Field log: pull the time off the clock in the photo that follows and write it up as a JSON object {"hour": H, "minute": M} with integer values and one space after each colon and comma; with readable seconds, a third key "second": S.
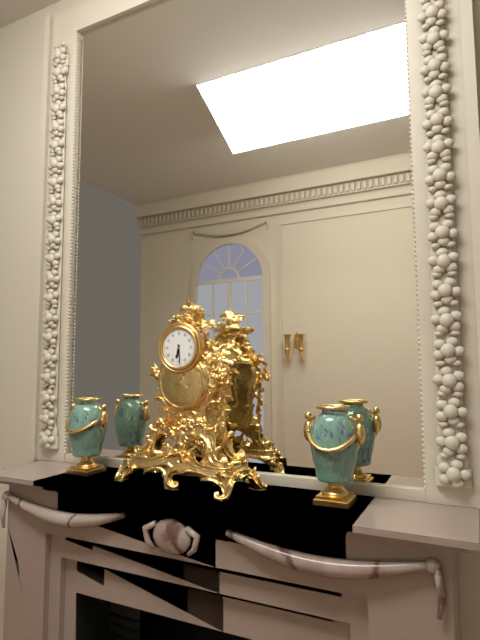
{"hour": 6, "minute": 29}
